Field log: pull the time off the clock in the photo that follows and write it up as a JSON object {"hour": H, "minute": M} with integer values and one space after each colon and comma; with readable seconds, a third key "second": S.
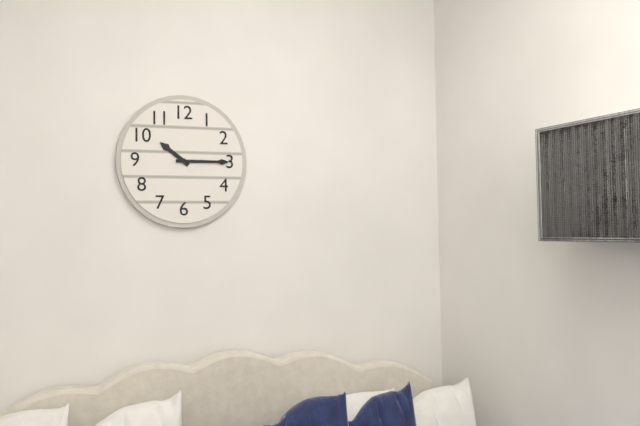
{"hour": 10, "minute": 15}
